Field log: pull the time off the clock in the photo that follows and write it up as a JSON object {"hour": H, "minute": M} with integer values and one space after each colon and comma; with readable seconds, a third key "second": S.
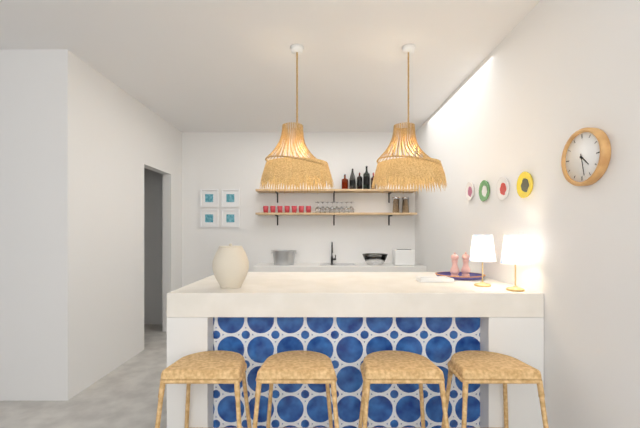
{"hour": 4, "minute": 28}
